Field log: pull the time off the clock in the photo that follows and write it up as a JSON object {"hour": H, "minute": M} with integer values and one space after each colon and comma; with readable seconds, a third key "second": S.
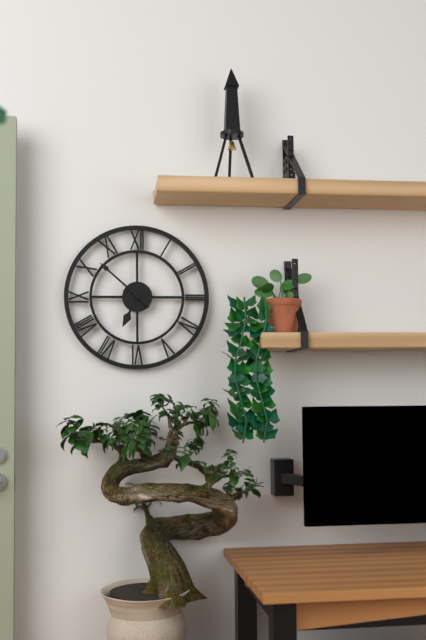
{"hour": 6, "minute": 52}
